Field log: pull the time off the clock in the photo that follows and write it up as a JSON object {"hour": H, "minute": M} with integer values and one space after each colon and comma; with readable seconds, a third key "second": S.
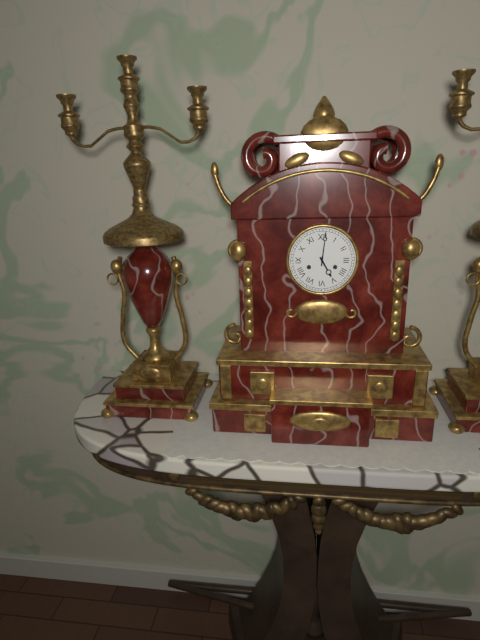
{"hour": 5, "minute": 1}
